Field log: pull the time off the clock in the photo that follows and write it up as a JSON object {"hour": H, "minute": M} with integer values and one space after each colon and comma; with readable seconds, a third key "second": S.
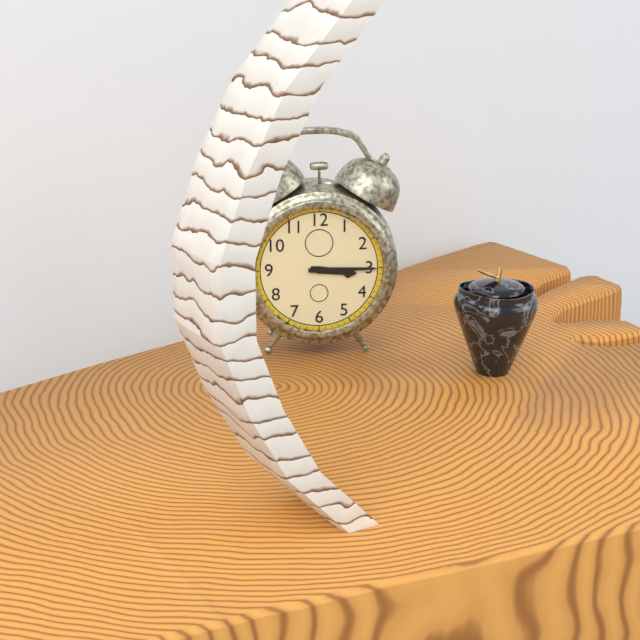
{"hour": 3, "minute": 15}
